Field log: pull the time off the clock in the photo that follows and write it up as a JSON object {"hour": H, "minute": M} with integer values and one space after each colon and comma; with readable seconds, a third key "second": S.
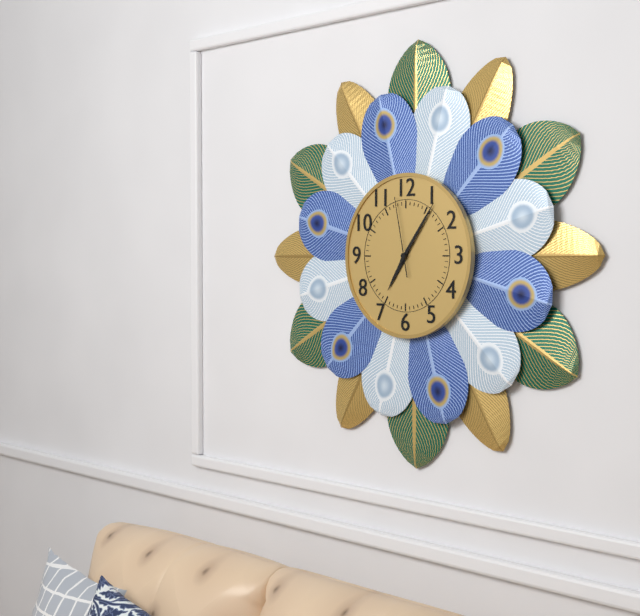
{"hour": 7, "minute": 6, "second": 58}
